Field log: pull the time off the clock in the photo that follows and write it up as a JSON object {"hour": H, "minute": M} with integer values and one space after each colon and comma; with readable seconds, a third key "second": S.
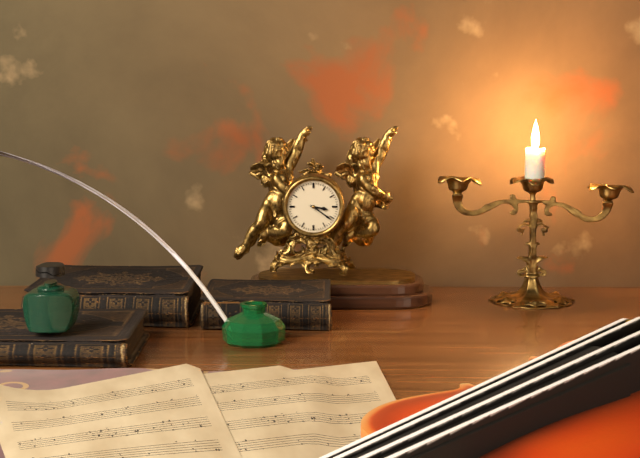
{"hour": 3, "minute": 21}
